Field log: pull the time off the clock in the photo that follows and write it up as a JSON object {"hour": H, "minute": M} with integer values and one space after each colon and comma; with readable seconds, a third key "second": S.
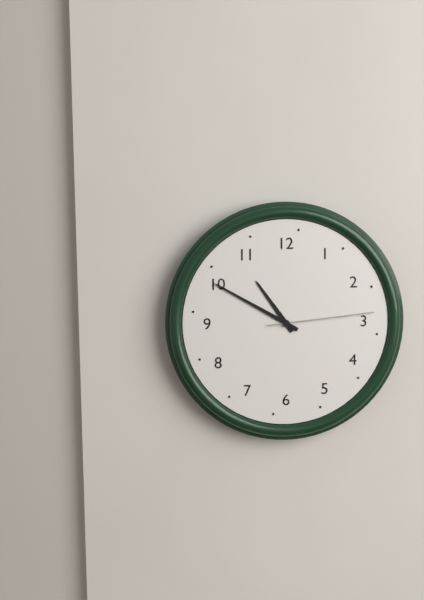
{"hour": 10, "minute": 50, "second": 14}
